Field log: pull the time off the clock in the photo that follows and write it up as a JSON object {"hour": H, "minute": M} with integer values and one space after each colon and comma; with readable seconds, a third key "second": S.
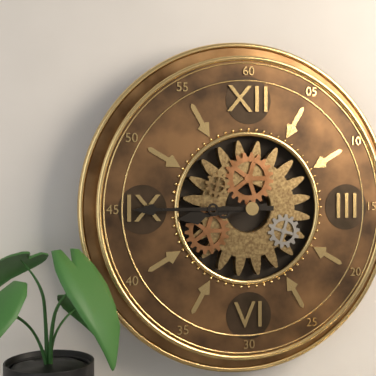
{"hour": 8, "minute": 45}
